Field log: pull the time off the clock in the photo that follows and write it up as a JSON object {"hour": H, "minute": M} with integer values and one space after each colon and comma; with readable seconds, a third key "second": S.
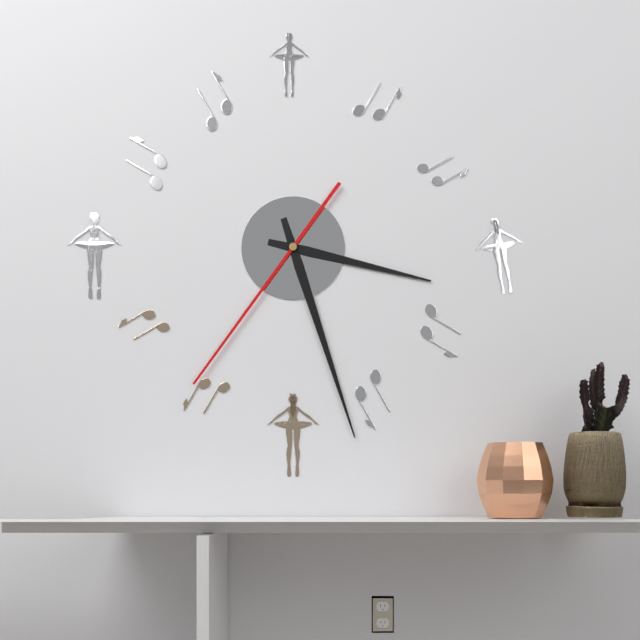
{"hour": 3, "minute": 27, "second": 36}
